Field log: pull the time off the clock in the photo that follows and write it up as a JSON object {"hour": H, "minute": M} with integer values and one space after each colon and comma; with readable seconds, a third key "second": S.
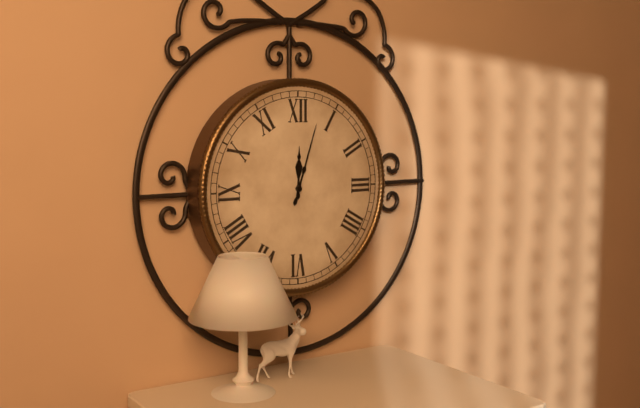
{"hour": 12, "minute": 3}
